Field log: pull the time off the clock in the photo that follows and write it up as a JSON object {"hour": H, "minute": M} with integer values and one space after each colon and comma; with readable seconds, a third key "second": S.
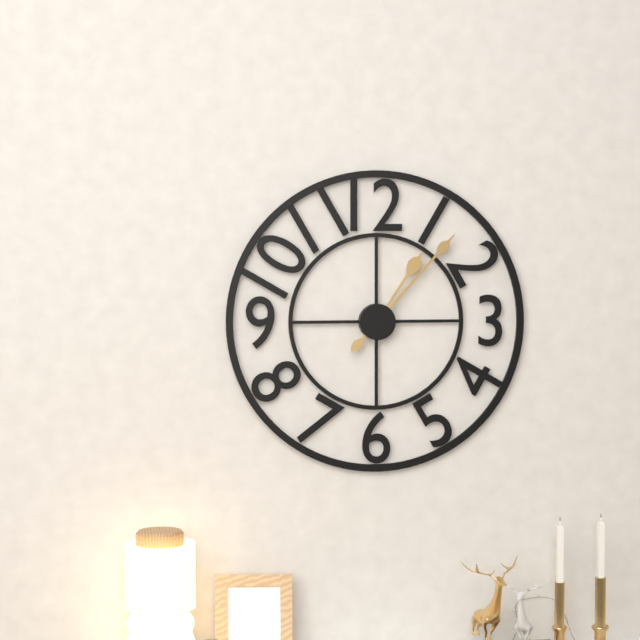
{"hour": 1, "minute": 7}
